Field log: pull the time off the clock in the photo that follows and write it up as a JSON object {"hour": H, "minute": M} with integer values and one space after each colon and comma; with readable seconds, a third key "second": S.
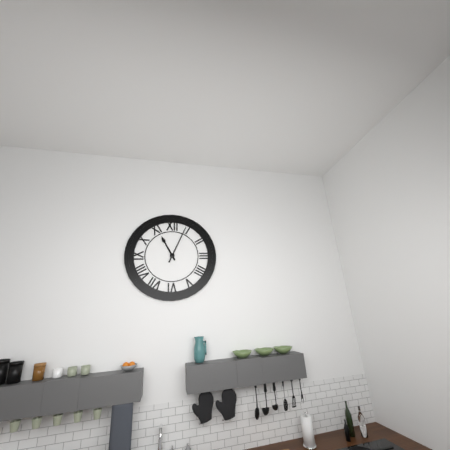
{"hour": 11, "minute": 4}
